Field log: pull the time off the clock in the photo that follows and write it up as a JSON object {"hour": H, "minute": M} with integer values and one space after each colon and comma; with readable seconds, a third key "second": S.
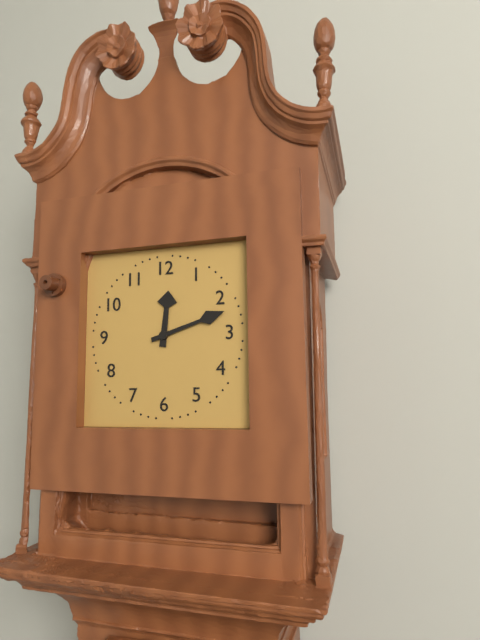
{"hour": 12, "minute": 12}
